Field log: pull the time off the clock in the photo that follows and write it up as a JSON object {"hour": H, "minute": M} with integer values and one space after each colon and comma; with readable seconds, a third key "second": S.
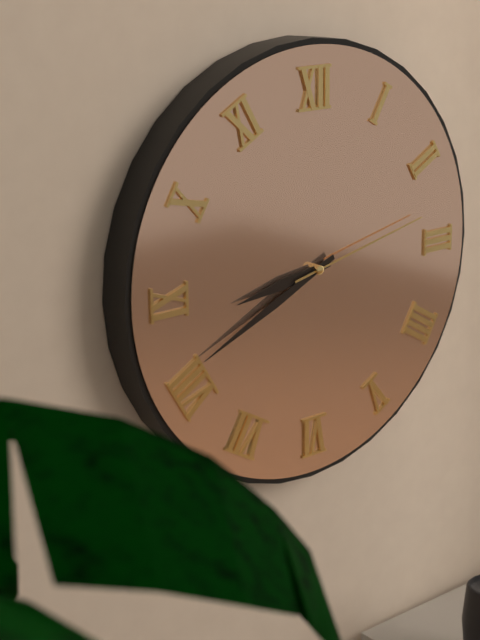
{"hour": 8, "minute": 41, "second": 13}
